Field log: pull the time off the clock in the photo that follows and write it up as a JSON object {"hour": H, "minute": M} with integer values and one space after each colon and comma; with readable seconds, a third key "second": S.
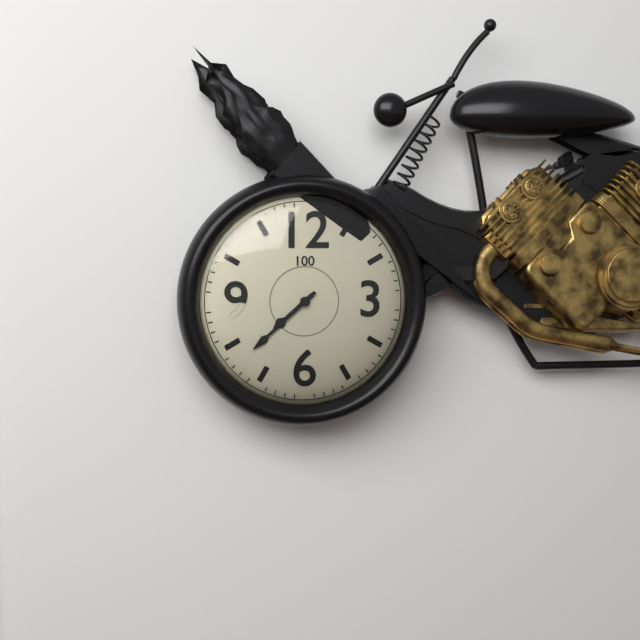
{"hour": 7, "minute": 38}
